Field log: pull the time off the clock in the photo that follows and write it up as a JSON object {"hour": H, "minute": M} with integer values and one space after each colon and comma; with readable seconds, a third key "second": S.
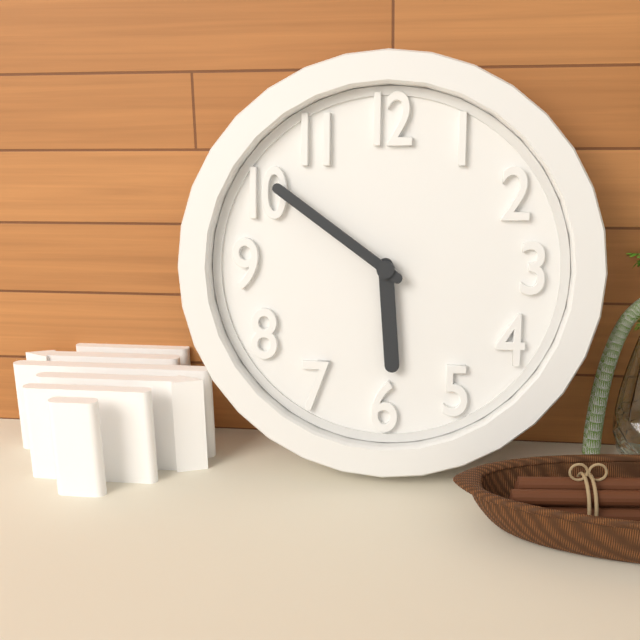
{"hour": 5, "minute": 51}
